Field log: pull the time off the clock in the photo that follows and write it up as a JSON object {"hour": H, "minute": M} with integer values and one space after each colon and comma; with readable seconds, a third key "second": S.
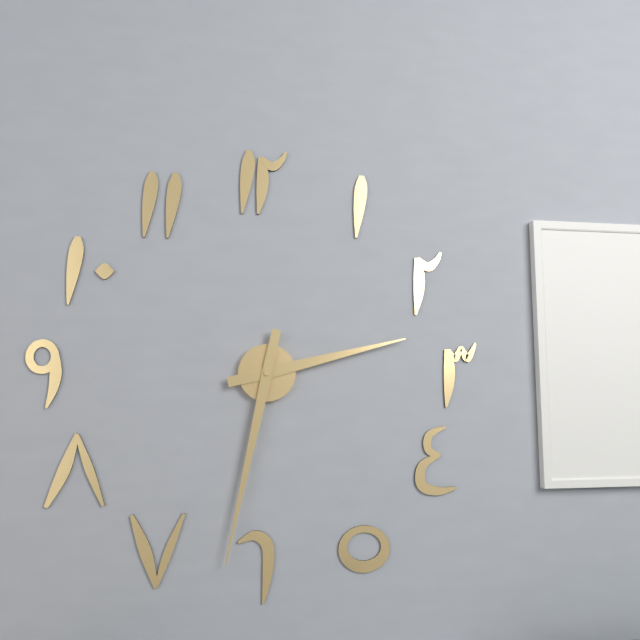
{"hour": 2, "minute": 32}
